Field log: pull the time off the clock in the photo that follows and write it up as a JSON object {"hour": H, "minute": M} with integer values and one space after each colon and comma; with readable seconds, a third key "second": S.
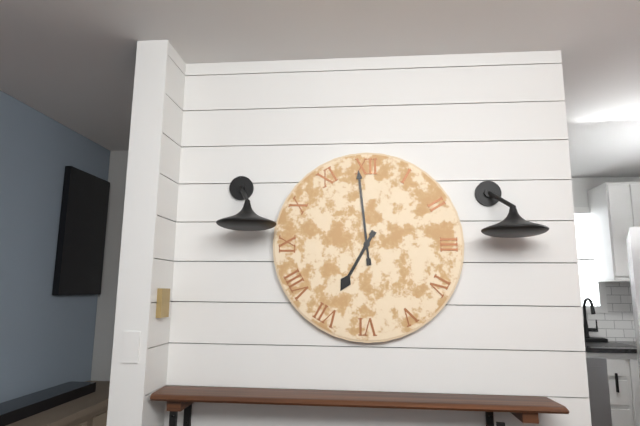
{"hour": 6, "minute": 59}
